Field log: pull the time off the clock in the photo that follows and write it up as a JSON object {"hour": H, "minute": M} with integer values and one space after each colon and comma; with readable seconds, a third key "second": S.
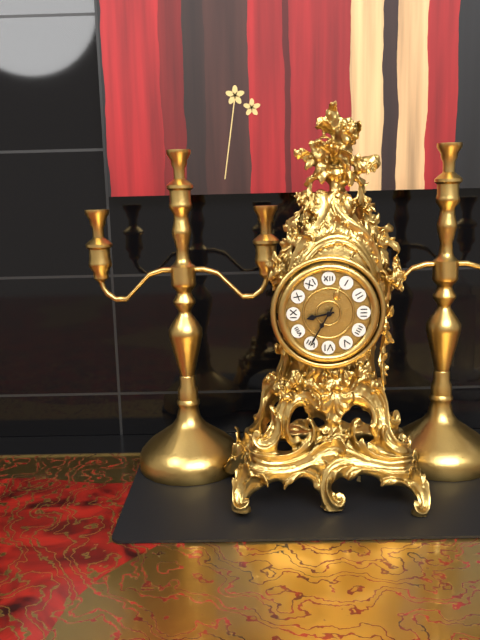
{"hour": 8, "minute": 35}
